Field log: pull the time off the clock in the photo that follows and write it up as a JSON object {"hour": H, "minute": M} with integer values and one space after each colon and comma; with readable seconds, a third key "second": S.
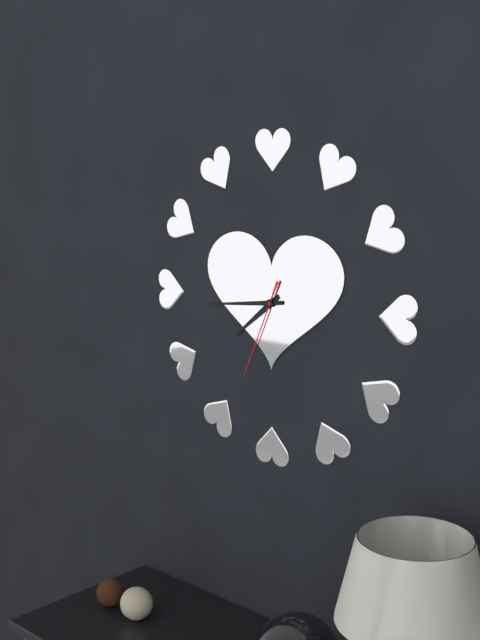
{"hour": 7, "minute": 44, "second": 34}
